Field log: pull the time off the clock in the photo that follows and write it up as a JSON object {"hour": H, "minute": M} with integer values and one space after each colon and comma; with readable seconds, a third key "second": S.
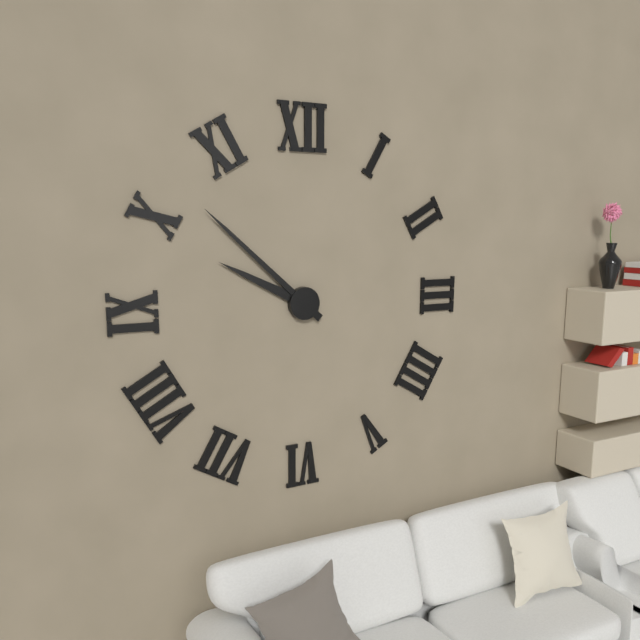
{"hour": 9, "minute": 52}
